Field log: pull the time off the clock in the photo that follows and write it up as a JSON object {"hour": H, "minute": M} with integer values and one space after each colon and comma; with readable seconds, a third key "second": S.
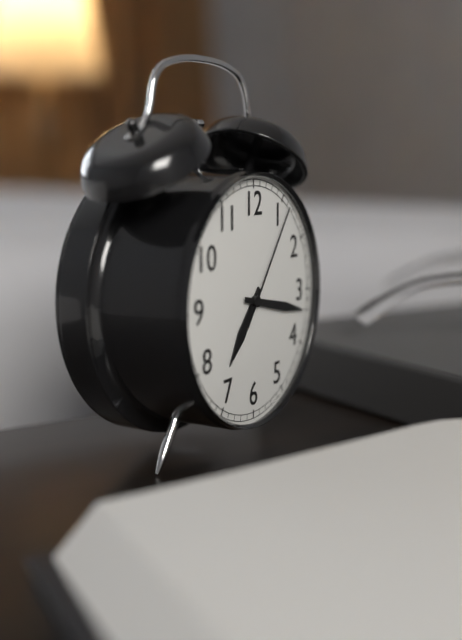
{"hour": 7, "minute": 17, "second": 6}
